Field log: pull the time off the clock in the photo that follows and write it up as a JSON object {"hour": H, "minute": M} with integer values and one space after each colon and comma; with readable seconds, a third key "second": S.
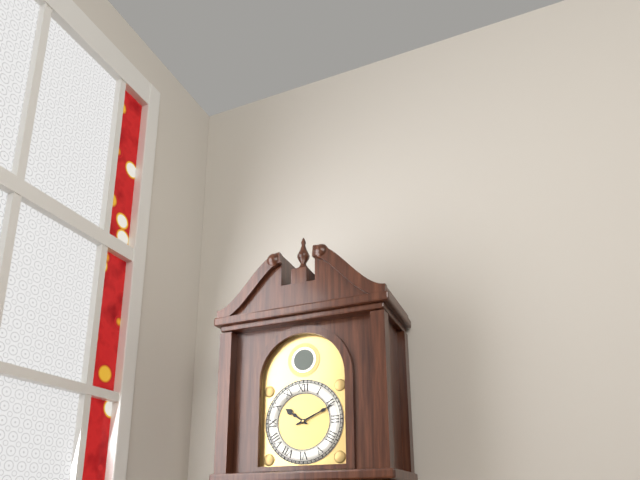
{"hour": 10, "minute": 11}
